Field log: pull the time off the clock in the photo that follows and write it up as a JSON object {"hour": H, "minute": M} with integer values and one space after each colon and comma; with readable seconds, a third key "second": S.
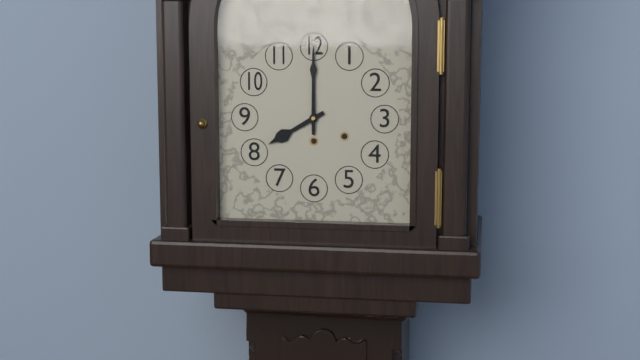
{"hour": 8, "minute": 0}
